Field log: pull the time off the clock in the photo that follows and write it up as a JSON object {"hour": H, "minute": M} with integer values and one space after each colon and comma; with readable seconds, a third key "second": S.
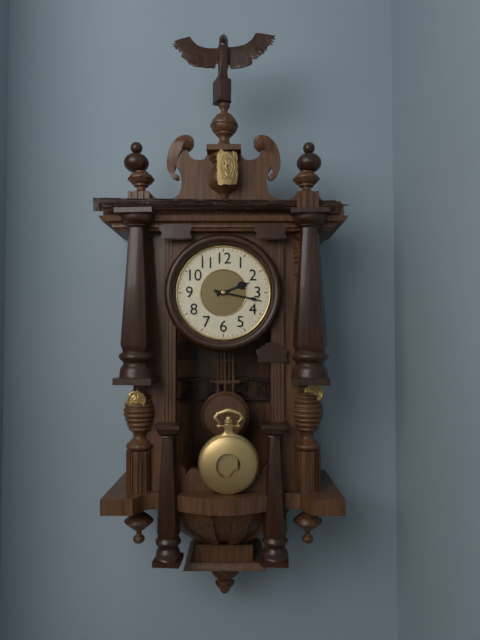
{"hour": 2, "minute": 17}
